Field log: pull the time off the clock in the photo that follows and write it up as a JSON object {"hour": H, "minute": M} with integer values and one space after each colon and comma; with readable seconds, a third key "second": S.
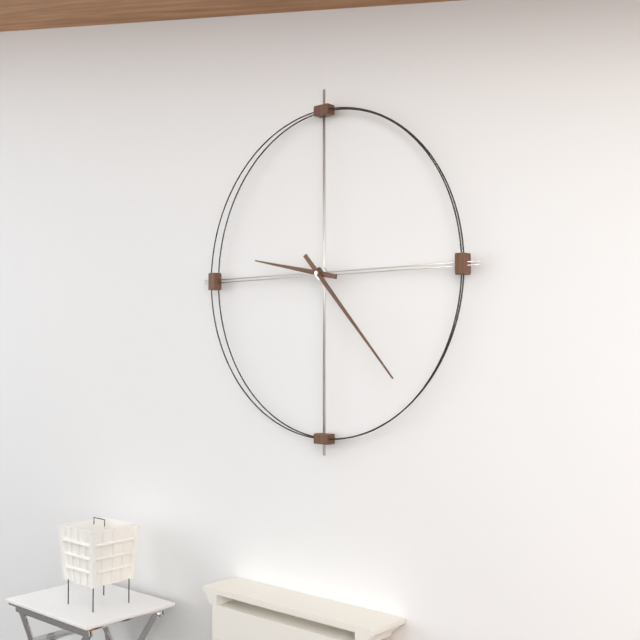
{"hour": 9, "minute": 23}
